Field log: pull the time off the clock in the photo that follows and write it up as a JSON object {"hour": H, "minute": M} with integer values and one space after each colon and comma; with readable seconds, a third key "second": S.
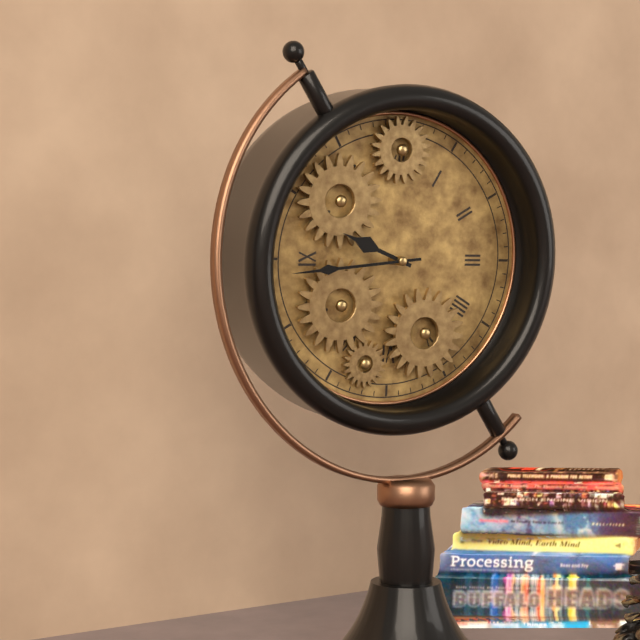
{"hour": 9, "minute": 44}
